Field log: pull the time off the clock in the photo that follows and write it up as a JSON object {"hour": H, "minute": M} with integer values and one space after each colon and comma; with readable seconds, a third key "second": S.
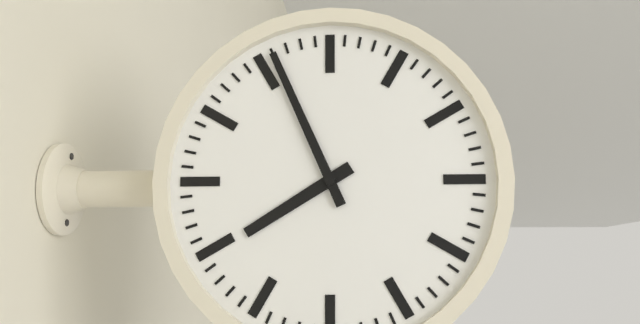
{"hour": 7, "minute": 56}
